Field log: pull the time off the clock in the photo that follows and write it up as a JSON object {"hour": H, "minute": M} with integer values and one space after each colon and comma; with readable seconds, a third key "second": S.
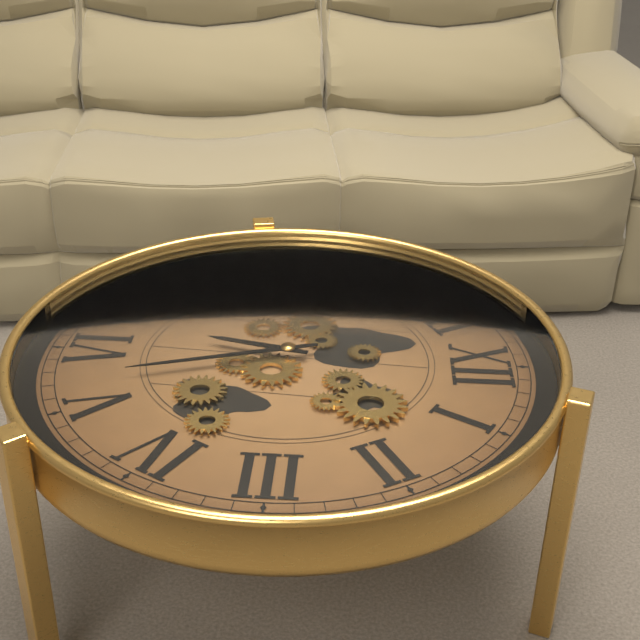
{"hour": 6, "minute": 27}
